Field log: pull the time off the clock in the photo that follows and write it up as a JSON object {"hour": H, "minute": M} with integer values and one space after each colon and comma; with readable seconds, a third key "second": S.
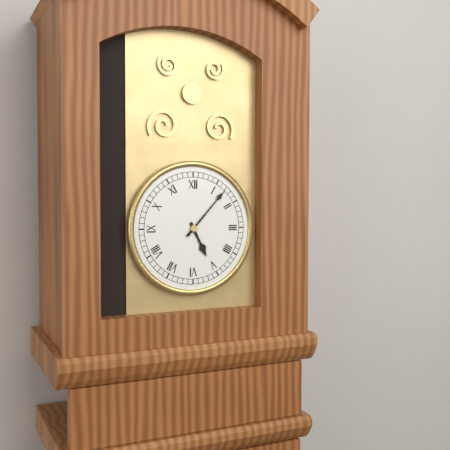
{"hour": 5, "minute": 7}
